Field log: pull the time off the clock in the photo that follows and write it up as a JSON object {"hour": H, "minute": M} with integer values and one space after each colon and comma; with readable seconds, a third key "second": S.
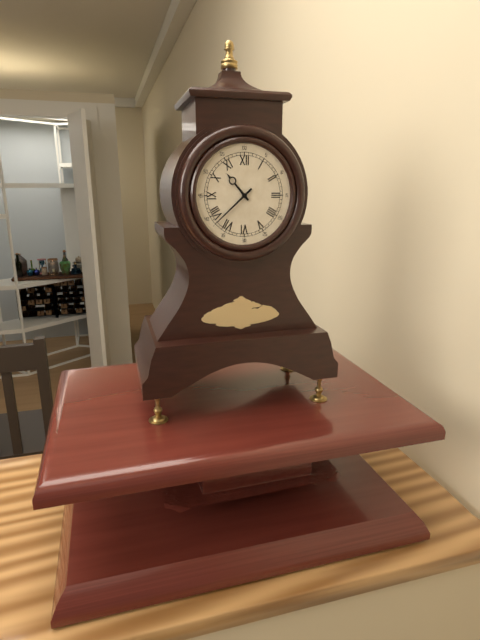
{"hour": 10, "minute": 38}
